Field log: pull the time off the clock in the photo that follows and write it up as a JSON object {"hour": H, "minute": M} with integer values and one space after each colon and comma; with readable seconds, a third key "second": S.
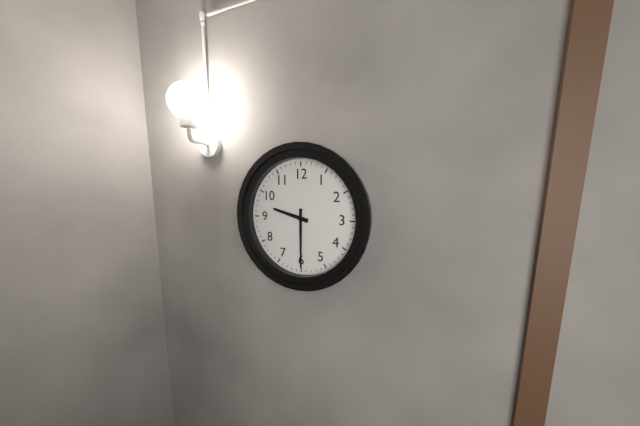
{"hour": 9, "minute": 30}
